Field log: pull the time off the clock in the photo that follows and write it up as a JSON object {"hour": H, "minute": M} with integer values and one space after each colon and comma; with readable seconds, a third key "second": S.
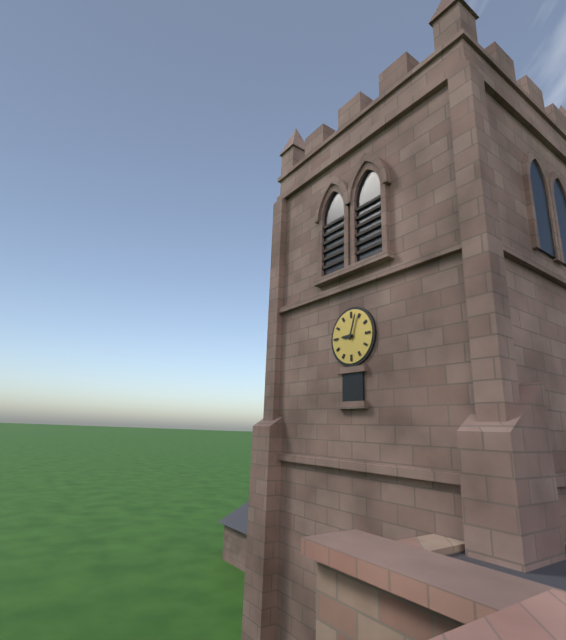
{"hour": 9, "minute": 3}
